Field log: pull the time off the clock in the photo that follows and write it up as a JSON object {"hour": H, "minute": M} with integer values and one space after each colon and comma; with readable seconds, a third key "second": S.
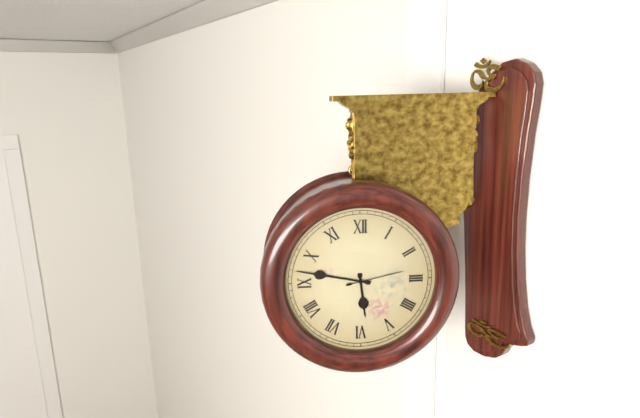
{"hour": 5, "minute": 47, "second": 13}
